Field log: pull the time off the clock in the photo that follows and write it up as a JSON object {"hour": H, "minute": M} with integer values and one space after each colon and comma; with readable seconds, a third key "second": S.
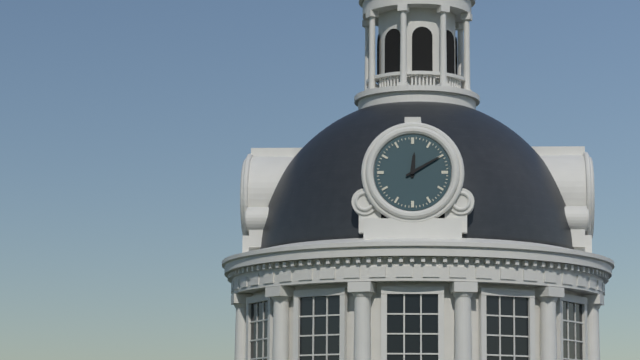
{"hour": 12, "minute": 10}
